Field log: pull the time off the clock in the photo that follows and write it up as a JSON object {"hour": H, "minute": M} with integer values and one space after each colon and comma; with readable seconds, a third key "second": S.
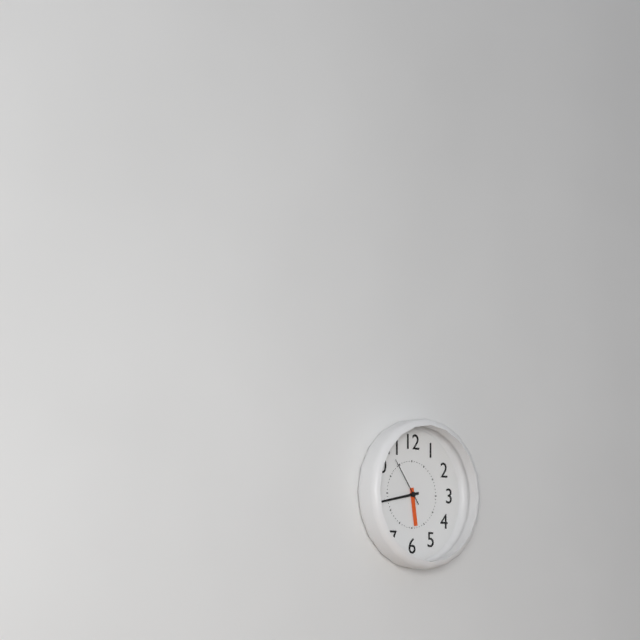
{"hour": 5, "minute": 43}
